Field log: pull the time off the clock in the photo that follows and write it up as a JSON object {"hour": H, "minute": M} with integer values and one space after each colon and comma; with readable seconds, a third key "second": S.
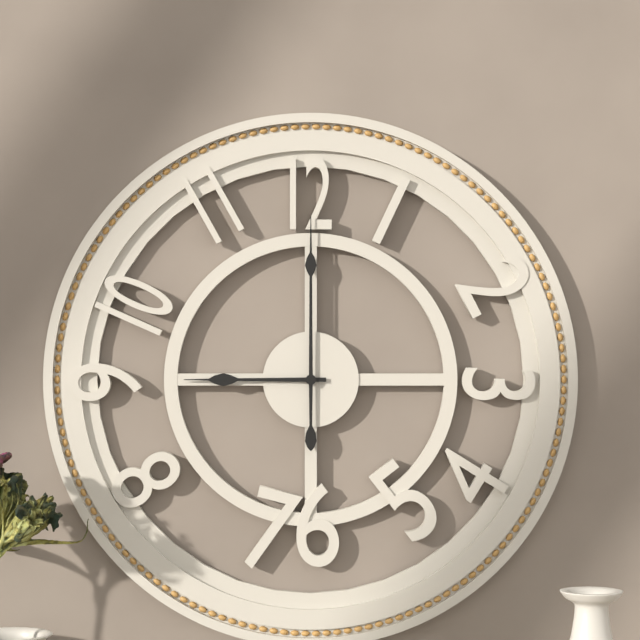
{"hour": 9, "minute": 0}
